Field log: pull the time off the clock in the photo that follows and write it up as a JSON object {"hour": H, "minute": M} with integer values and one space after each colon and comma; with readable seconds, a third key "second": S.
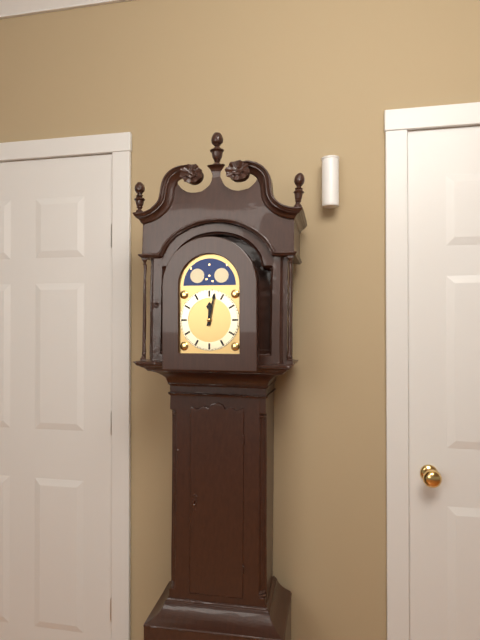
{"hour": 12, "minute": 2}
